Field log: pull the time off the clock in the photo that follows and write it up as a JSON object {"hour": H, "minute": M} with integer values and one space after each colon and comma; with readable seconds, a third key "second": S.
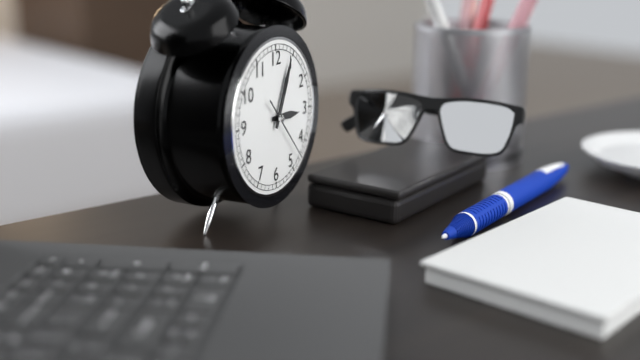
{"hour": 3, "minute": 4, "second": 23}
